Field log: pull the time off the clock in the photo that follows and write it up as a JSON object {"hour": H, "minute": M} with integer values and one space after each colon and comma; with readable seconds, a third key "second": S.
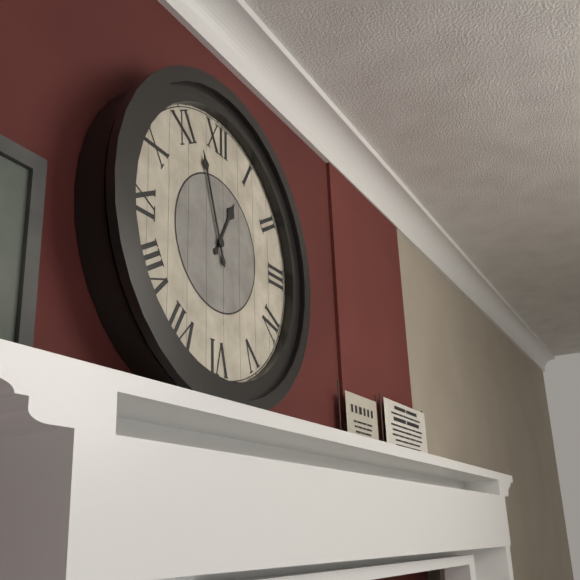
{"hour": 12, "minute": 57}
